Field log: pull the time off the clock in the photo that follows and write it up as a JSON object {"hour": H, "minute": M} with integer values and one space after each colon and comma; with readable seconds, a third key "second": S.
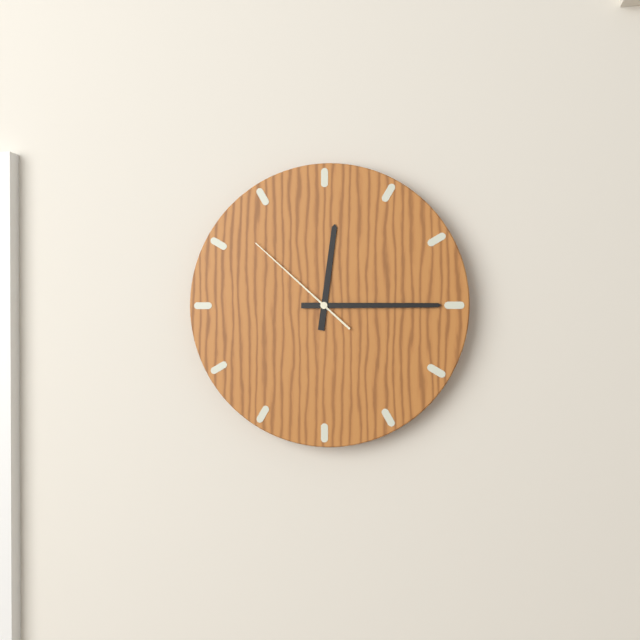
{"hour": 12, "minute": 15, "second": 52}
